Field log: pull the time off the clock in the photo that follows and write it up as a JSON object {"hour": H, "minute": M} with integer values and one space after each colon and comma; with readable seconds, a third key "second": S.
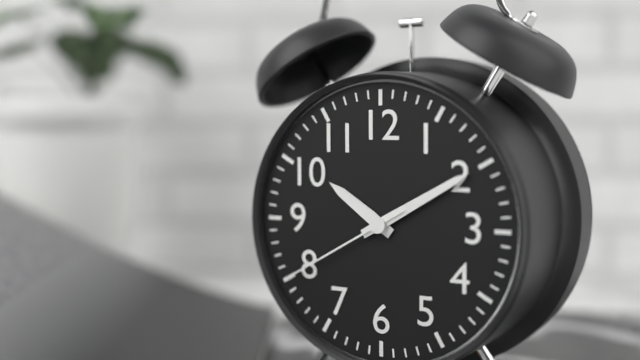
{"hour": 10, "minute": 10, "second": 40}
